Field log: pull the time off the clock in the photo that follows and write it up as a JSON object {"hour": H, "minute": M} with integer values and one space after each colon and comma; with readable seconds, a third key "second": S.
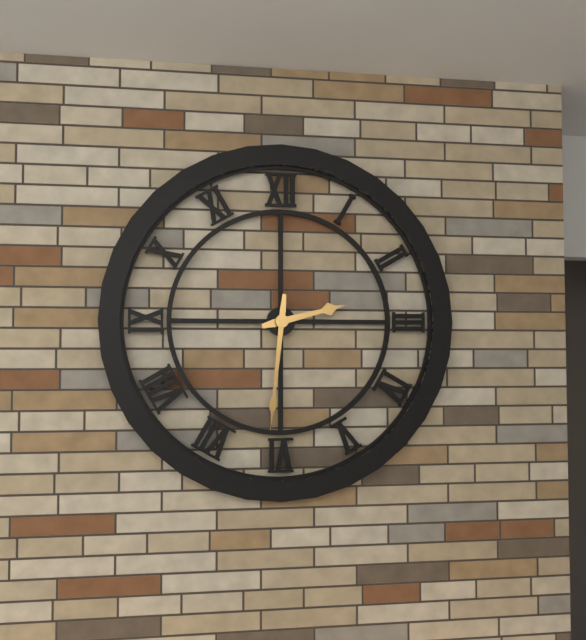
{"hour": 2, "minute": 31}
